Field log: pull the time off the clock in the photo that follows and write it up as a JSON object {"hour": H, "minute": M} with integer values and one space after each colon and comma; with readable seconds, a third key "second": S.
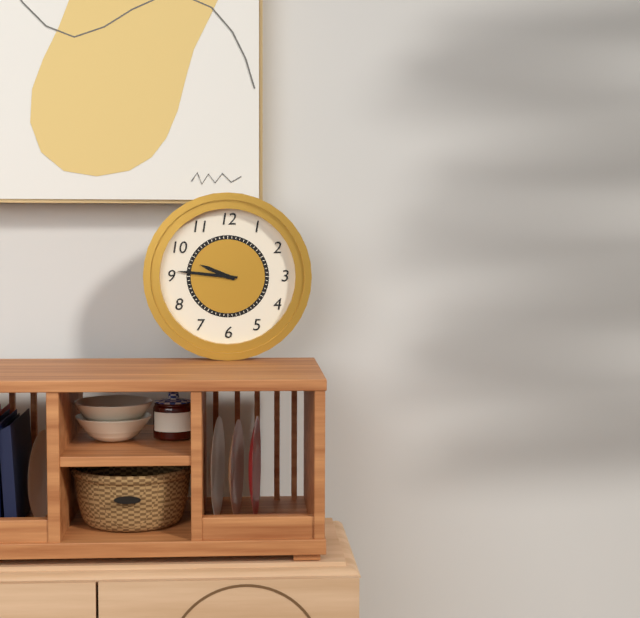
{"hour": 9, "minute": 46}
